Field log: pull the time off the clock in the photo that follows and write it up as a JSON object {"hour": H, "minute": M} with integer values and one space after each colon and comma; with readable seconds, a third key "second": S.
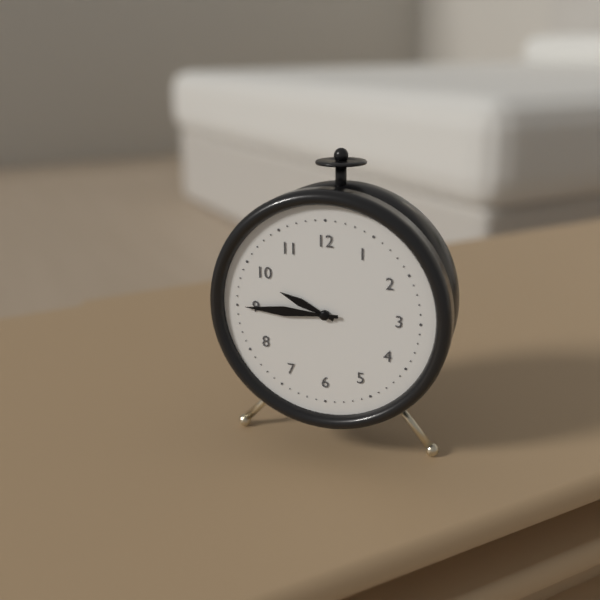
{"hour": 9, "minute": 45}
